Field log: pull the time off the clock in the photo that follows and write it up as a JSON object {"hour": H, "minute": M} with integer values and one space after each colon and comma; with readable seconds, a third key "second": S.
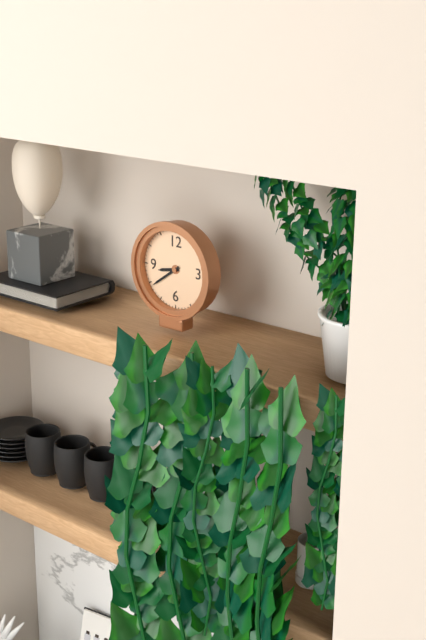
{"hour": 8, "minute": 39}
